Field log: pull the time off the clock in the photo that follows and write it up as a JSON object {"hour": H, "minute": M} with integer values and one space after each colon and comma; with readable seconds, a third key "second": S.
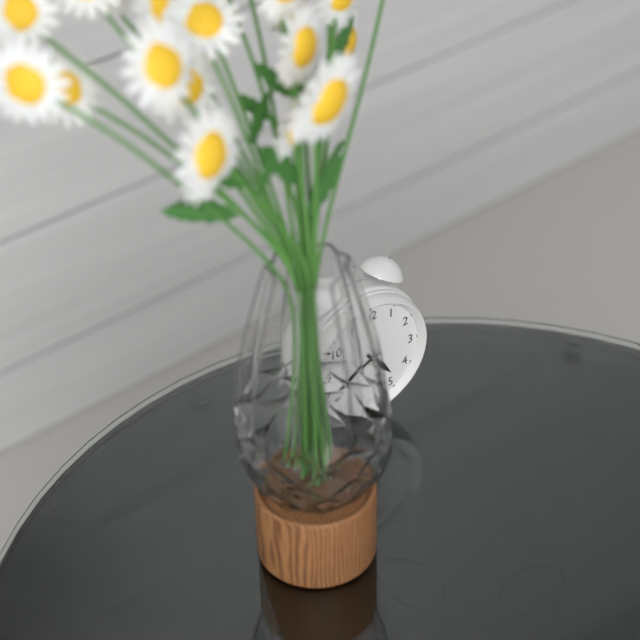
{"hour": 4, "minute": 41}
